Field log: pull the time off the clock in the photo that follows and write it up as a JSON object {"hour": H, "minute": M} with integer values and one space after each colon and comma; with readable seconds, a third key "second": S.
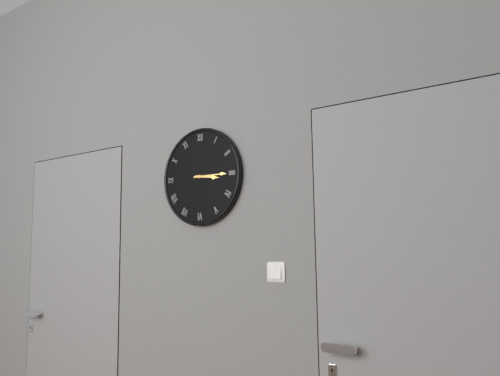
{"hour": 3, "minute": 15}
